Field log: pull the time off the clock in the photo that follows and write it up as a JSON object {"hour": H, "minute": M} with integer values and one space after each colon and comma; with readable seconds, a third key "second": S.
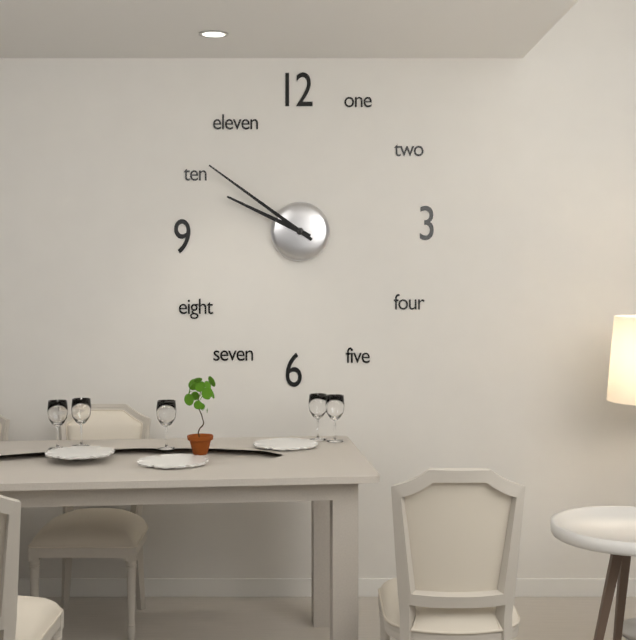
{"hour": 9, "minute": 51}
